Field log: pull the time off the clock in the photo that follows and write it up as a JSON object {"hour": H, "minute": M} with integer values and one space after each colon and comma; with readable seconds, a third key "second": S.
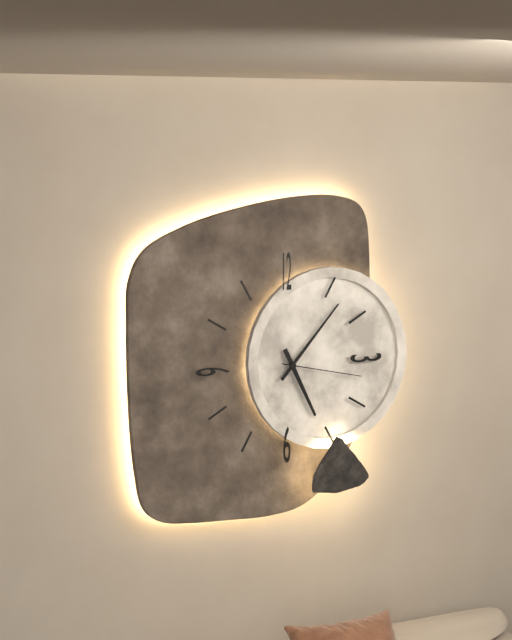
{"hour": 5, "minute": 7, "second": 17}
